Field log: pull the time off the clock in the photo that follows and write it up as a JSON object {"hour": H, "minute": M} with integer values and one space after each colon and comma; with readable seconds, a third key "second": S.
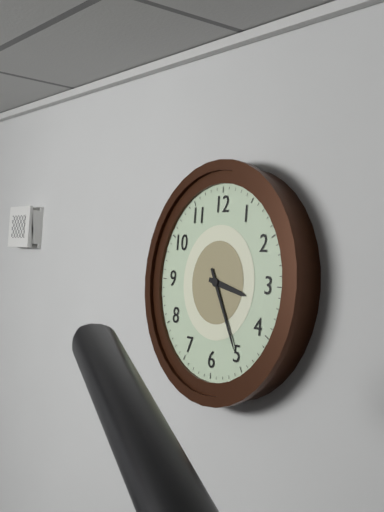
{"hour": 3, "minute": 25}
